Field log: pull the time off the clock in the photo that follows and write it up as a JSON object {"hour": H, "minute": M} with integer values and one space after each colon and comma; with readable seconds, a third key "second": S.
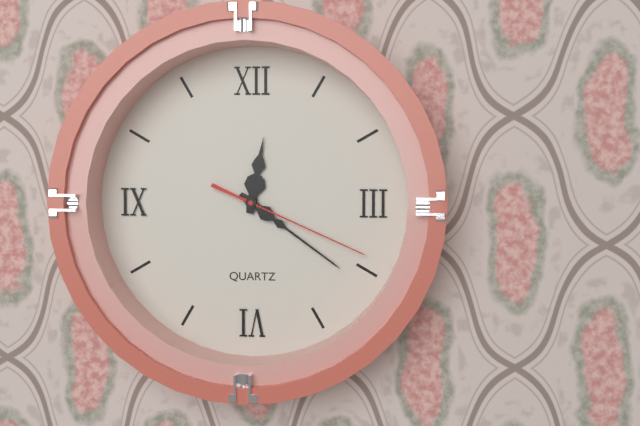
{"hour": 12, "minute": 21, "second": 19}
